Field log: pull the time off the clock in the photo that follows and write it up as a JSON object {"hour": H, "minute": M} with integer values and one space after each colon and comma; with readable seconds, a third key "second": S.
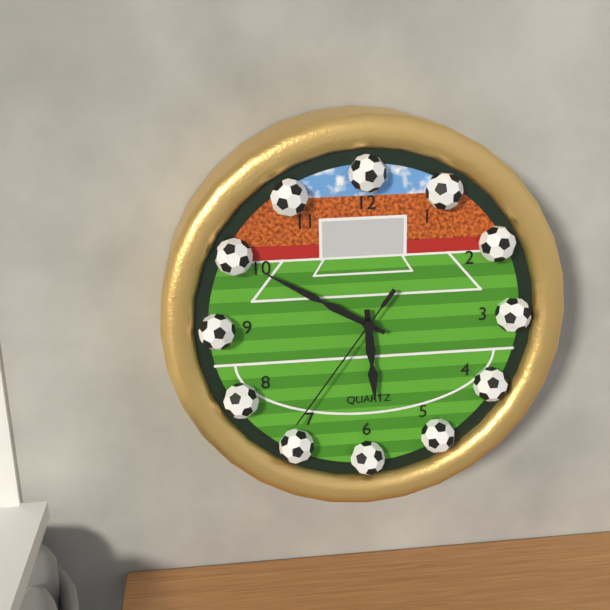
{"hour": 5, "minute": 50, "second": 36}
